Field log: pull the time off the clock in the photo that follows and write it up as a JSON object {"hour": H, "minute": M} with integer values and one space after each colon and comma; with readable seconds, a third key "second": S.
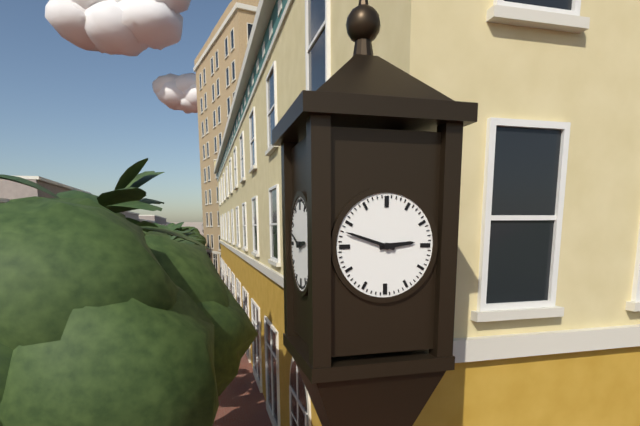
{"hour": 2, "minute": 48}
